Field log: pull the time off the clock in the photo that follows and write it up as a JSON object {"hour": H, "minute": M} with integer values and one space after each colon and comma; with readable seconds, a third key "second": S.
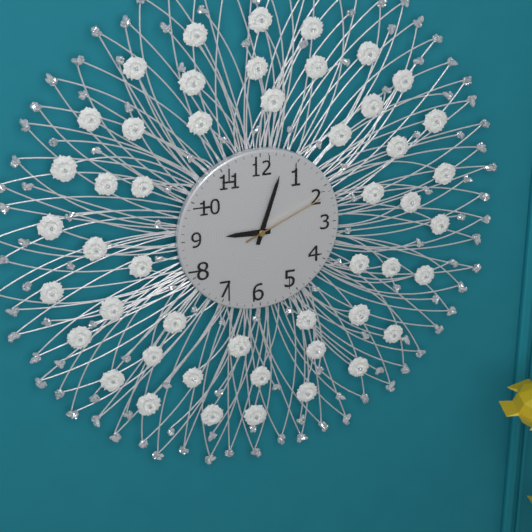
{"hour": 9, "minute": 3, "second": 11}
